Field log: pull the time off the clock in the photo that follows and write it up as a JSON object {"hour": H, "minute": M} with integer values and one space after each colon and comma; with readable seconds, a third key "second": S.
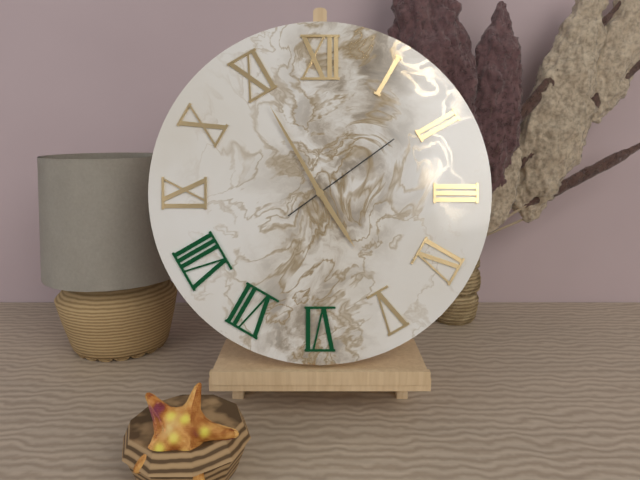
{"hour": 4, "minute": 55, "second": 9}
